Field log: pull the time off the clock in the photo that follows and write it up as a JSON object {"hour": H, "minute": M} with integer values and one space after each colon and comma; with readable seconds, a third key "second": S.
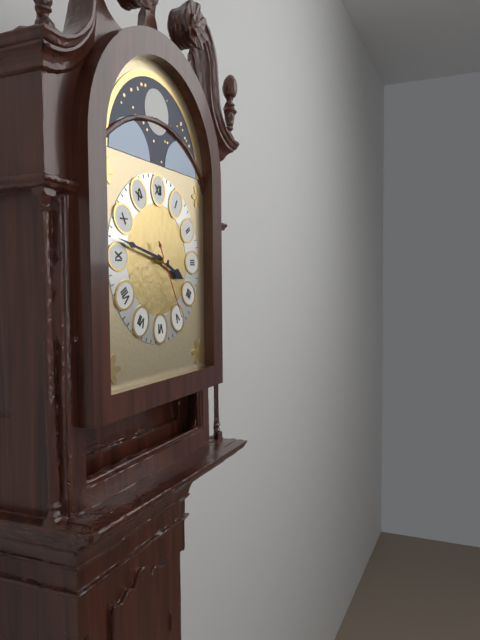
{"hour": 3, "minute": 47, "second": 25}
